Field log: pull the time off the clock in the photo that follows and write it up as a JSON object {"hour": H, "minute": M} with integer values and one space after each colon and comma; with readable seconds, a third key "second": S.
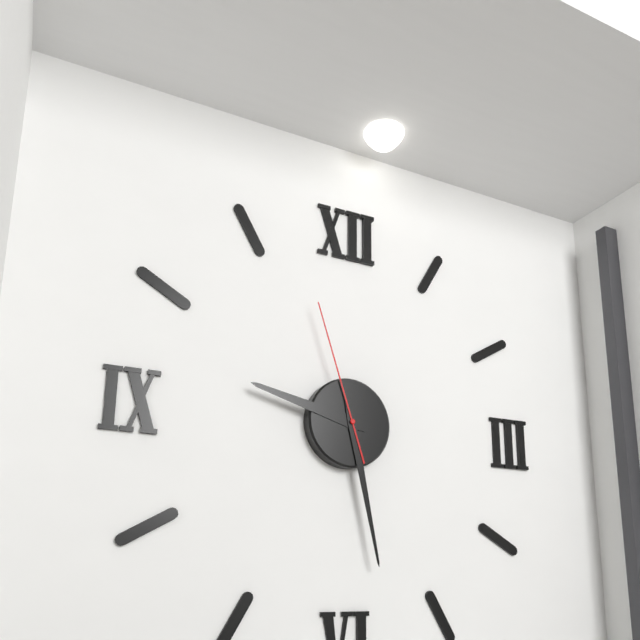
{"hour": 9, "minute": 28, "second": 57}
